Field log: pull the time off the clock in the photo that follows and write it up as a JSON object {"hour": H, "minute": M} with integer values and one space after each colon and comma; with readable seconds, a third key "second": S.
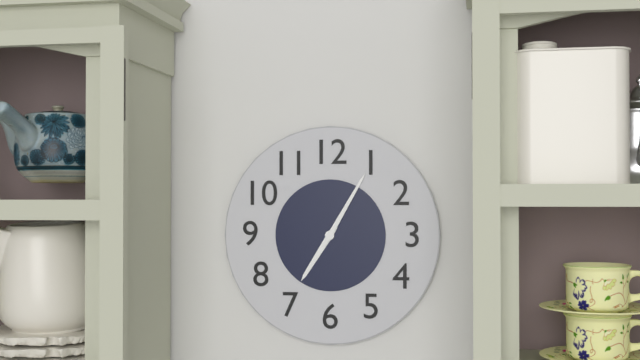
{"hour": 7, "minute": 5}
